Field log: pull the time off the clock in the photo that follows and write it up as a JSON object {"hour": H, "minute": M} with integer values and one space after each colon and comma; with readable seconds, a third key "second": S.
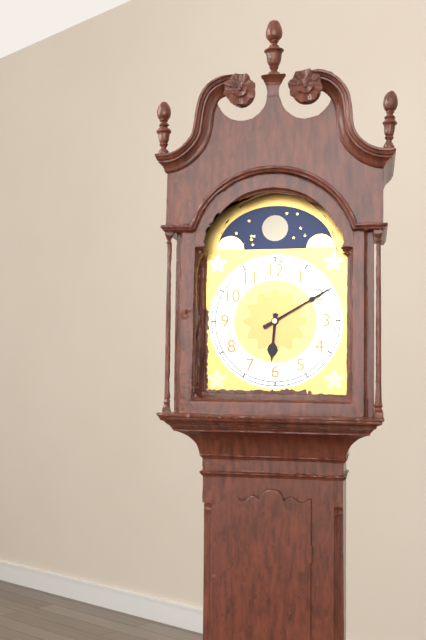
{"hour": 6, "minute": 10}
